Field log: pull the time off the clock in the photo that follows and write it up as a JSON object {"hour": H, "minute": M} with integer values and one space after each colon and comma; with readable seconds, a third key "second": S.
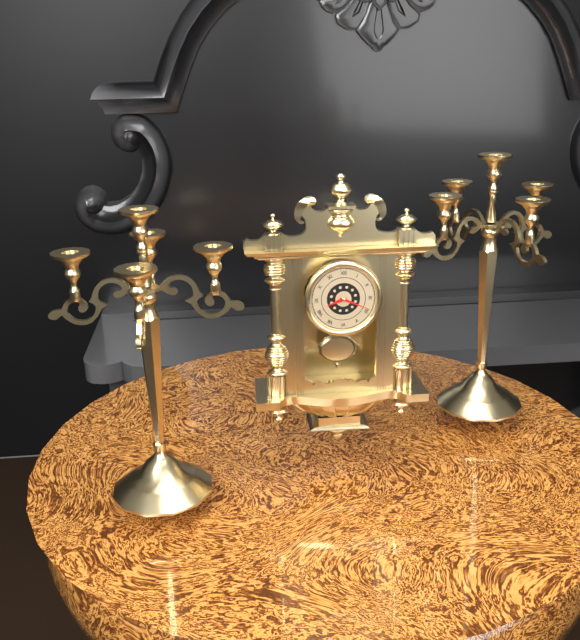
{"hour": 8, "minute": 19}
